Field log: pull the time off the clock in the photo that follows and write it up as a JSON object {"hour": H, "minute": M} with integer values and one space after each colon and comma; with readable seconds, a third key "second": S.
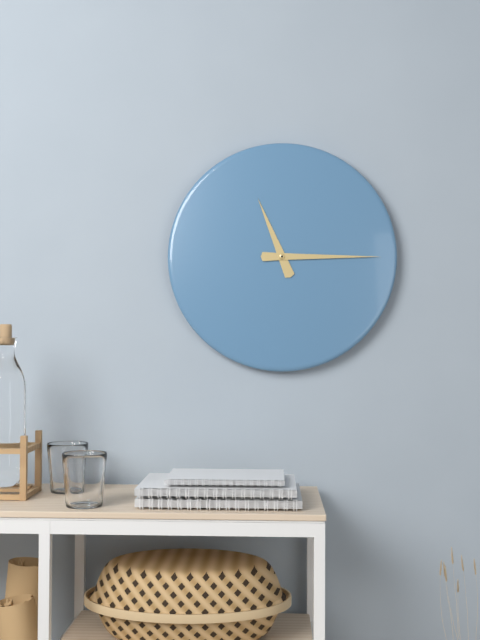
{"hour": 11, "minute": 15}
